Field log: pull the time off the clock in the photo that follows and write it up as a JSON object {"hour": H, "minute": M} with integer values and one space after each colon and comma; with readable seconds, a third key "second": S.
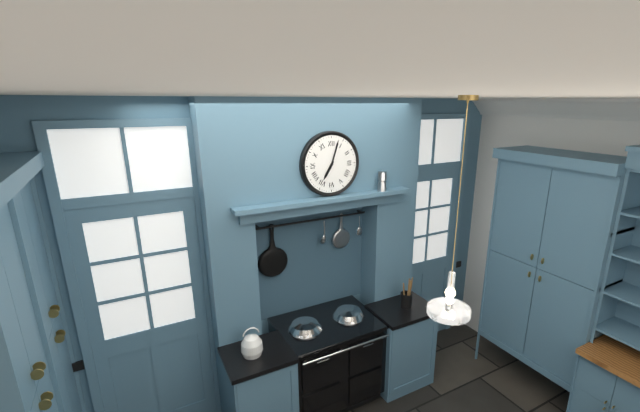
{"hour": 7, "minute": 3}
